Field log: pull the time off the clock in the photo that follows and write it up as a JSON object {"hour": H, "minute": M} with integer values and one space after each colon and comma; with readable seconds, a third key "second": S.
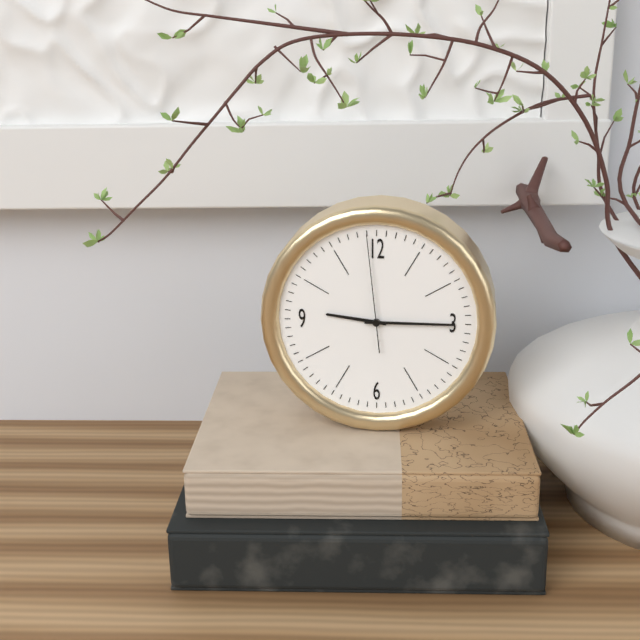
{"hour": 9, "minute": 15, "second": 59}
